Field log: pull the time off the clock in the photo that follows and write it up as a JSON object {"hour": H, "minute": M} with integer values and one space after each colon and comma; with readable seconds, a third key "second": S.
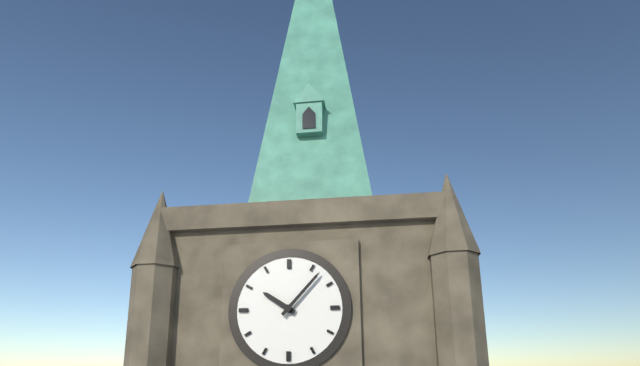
{"hour": 10, "minute": 7}
